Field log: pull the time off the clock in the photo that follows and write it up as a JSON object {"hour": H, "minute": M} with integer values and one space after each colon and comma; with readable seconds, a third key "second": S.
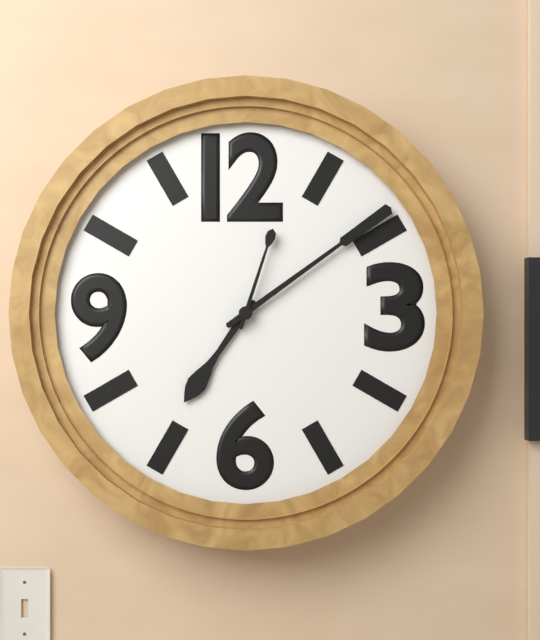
{"hour": 7, "minute": 9, "second": 3}
